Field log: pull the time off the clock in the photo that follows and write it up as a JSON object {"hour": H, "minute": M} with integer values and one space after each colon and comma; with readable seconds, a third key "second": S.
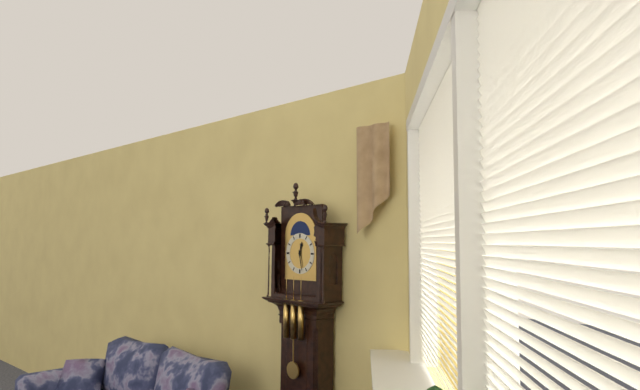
{"hour": 12, "minute": 28}
